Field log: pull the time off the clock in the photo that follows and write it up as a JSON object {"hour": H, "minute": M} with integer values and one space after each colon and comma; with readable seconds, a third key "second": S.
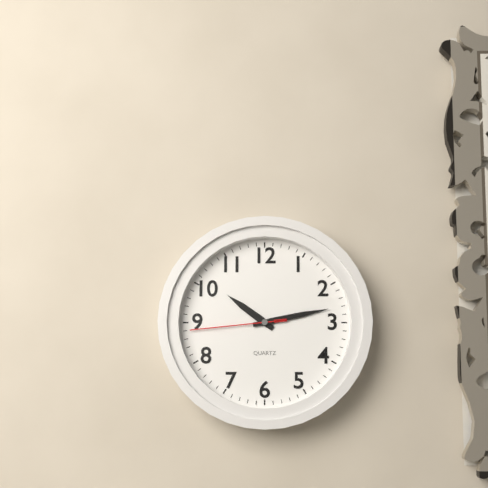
{"hour": 10, "minute": 13, "second": 44}
